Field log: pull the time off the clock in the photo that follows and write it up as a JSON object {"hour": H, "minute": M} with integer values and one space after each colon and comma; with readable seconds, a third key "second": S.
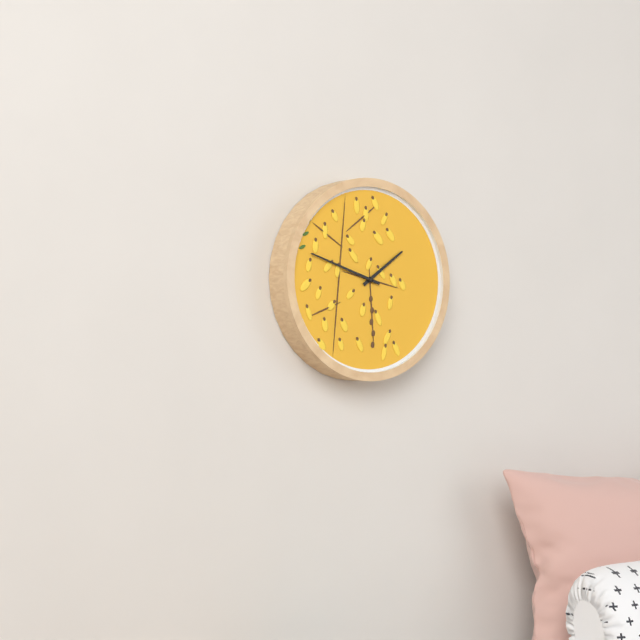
{"hour": 1, "minute": 48}
